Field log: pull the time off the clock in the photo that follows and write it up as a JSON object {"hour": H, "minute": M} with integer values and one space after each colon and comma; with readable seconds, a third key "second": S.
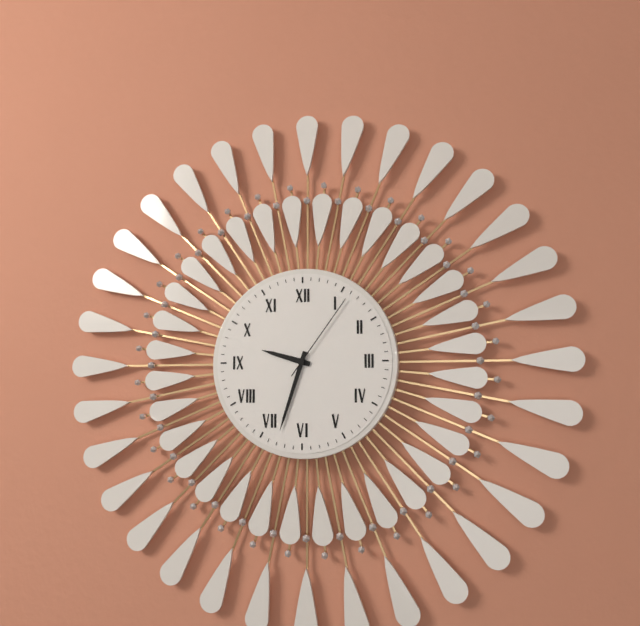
{"hour": 9, "minute": 33, "second": 6}
